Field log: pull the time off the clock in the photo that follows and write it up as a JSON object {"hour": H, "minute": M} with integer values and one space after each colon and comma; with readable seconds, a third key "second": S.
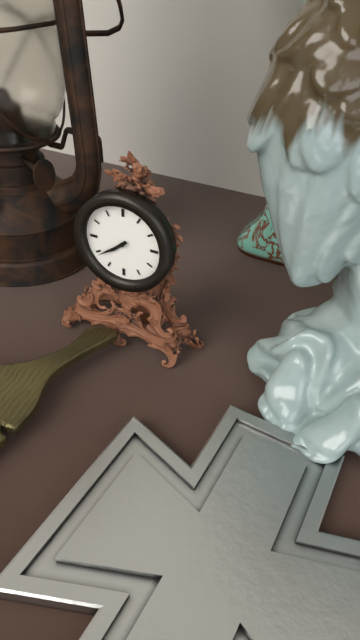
{"hour": 7, "minute": 39}
